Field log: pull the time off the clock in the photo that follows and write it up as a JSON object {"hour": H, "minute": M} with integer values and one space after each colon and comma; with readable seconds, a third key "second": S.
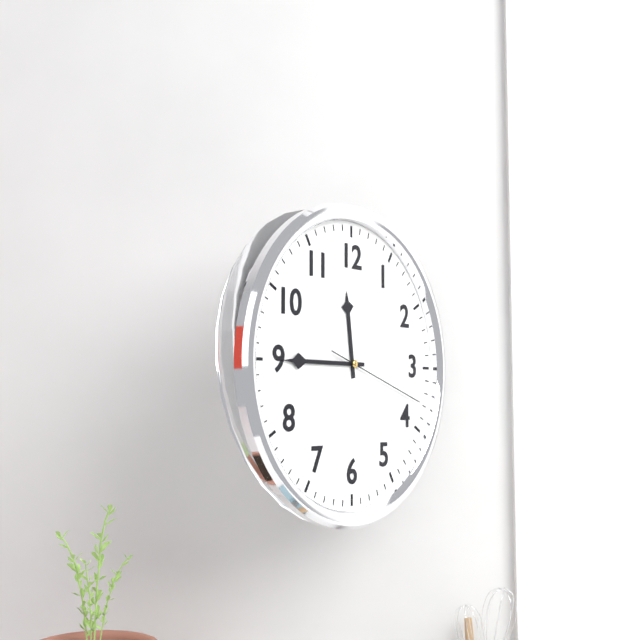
{"hour": 11, "minute": 45, "second": 18}
